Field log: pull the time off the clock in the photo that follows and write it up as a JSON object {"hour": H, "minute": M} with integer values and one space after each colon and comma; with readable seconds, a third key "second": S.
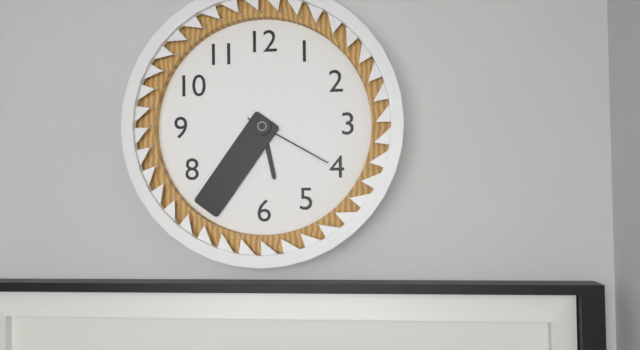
{"hour": 5, "minute": 36, "second": 20}
